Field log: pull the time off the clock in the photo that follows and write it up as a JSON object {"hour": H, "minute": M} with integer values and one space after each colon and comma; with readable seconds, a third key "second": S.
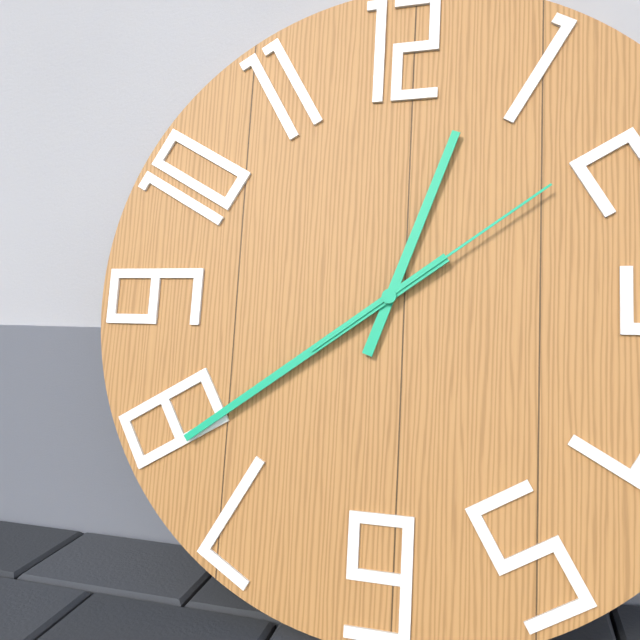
{"hour": 12, "minute": 39, "second": 9}
